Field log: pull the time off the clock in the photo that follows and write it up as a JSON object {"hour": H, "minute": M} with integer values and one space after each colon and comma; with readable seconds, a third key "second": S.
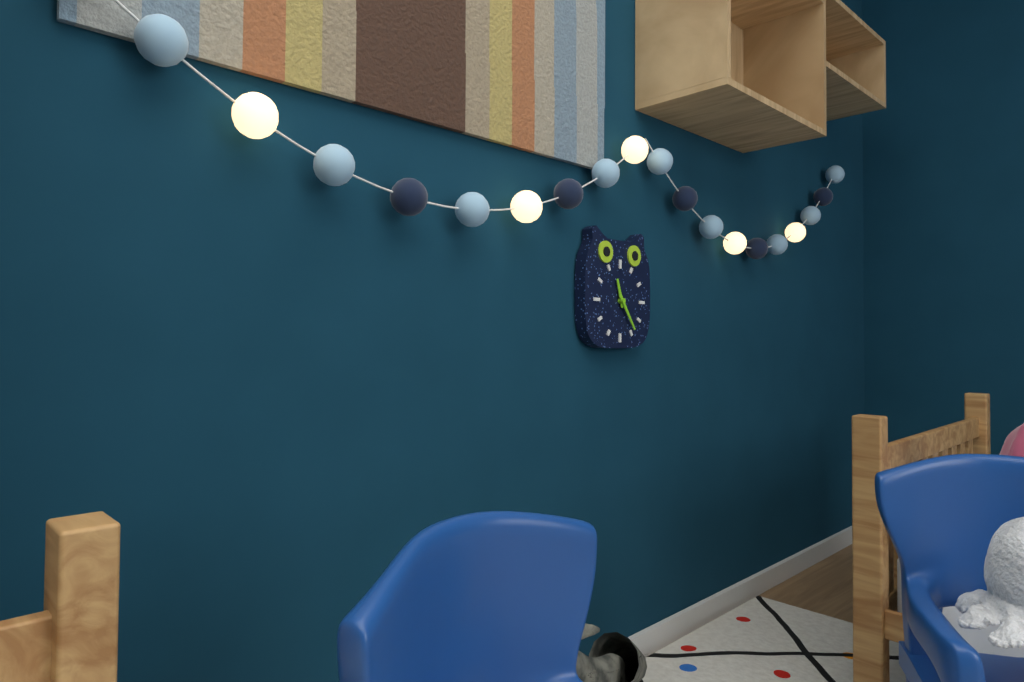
{"hour": 11, "minute": 24}
